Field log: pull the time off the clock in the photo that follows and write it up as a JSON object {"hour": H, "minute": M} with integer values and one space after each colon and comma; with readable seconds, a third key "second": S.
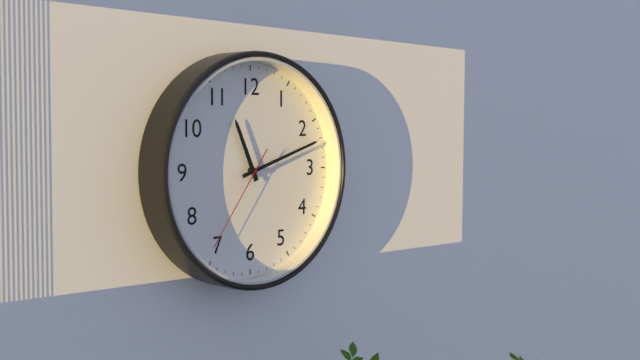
{"hour": 11, "minute": 12, "second": 36}
